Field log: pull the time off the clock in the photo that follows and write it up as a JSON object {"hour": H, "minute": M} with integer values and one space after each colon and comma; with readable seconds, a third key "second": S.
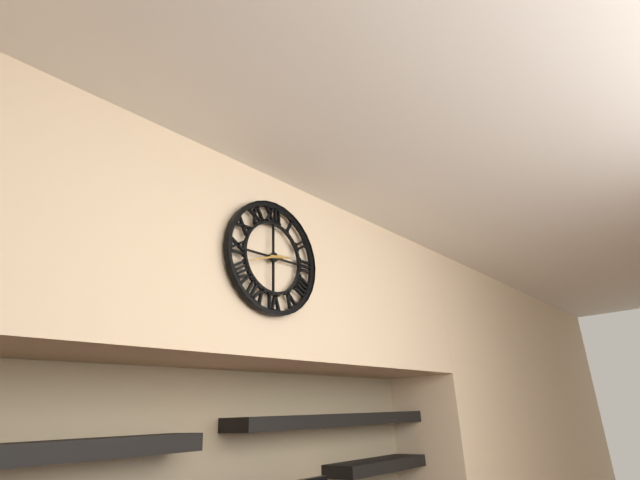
{"hour": 2, "minute": 42}
